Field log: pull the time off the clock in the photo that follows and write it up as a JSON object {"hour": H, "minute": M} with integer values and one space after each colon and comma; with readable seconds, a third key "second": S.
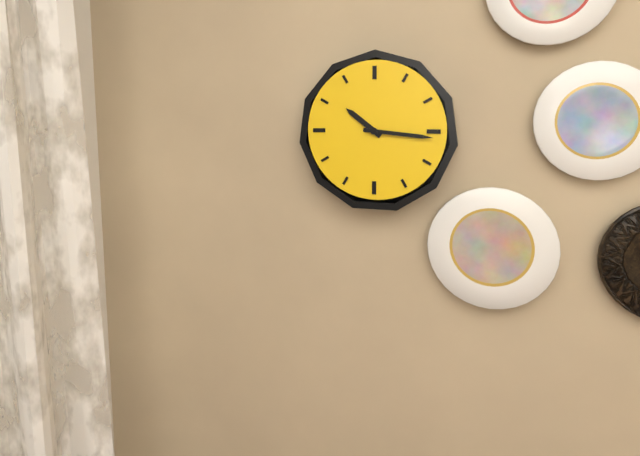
{"hour": 10, "minute": 16}
